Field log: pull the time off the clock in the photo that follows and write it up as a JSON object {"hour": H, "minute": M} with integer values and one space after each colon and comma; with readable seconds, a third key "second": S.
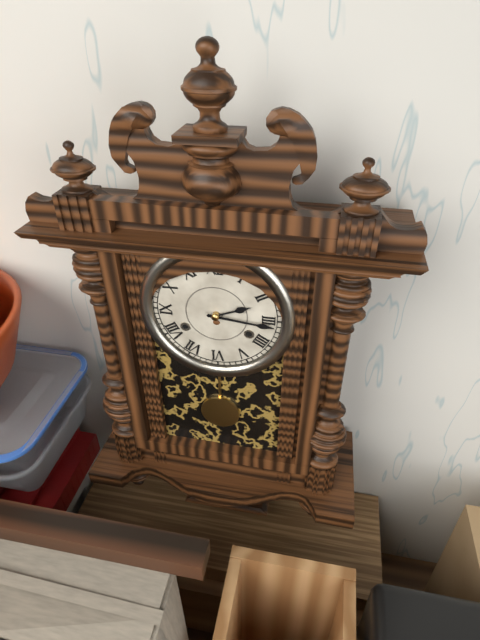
{"hour": 2, "minute": 16}
